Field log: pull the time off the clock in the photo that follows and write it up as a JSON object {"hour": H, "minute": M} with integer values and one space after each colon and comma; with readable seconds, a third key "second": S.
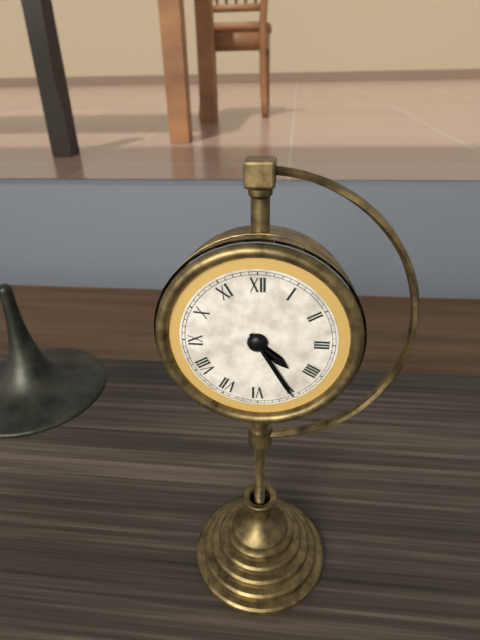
{"hour": 4, "minute": 25}
